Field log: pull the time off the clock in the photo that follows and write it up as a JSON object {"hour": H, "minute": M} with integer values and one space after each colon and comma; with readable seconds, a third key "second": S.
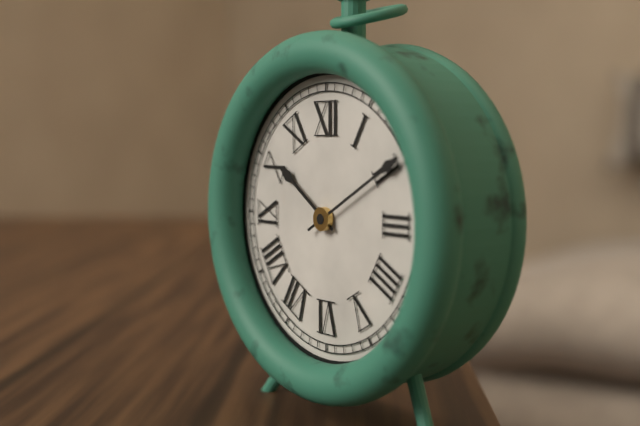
{"hour": 10, "minute": 10}
